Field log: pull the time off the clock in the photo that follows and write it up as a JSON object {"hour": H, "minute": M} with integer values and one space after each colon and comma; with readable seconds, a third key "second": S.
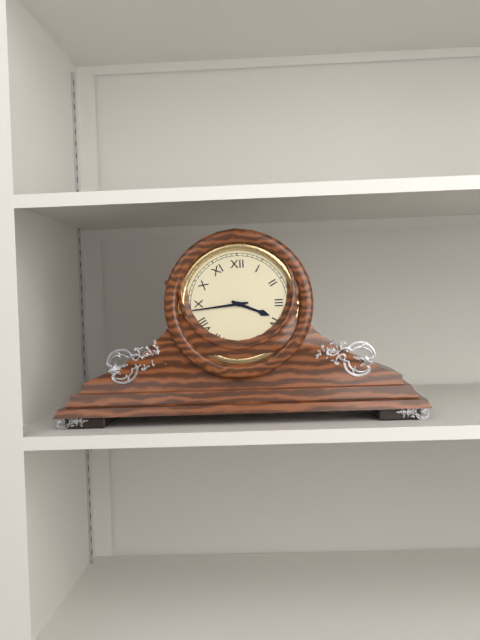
{"hour": 3, "minute": 44}
